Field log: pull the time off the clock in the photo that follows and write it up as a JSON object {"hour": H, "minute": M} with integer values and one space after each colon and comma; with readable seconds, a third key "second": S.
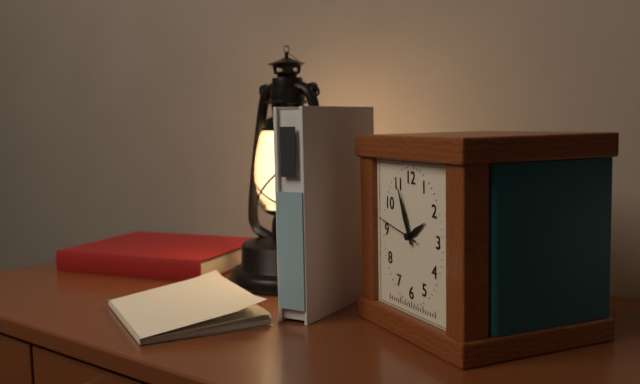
{"hour": 1, "minute": 56}
